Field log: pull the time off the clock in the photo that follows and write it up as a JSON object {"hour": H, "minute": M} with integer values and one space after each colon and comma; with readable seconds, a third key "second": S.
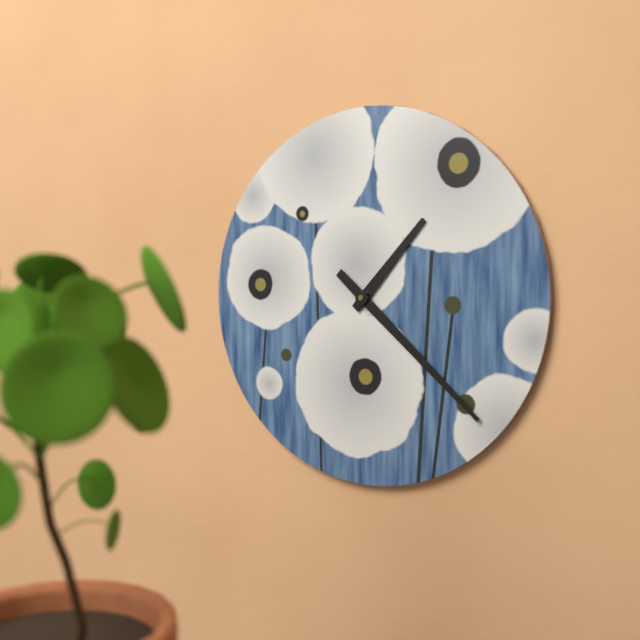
{"hour": 1, "minute": 22}
